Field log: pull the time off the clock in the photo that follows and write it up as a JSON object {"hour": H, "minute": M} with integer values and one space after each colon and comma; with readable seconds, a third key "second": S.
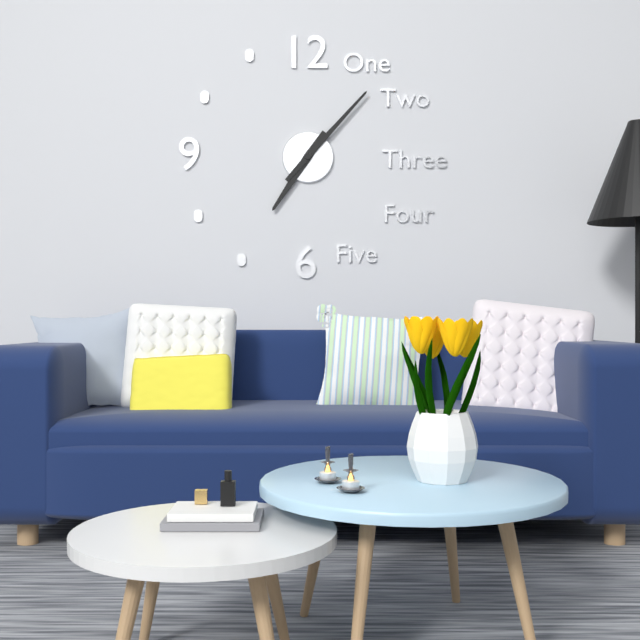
{"hour": 7, "minute": 7}
